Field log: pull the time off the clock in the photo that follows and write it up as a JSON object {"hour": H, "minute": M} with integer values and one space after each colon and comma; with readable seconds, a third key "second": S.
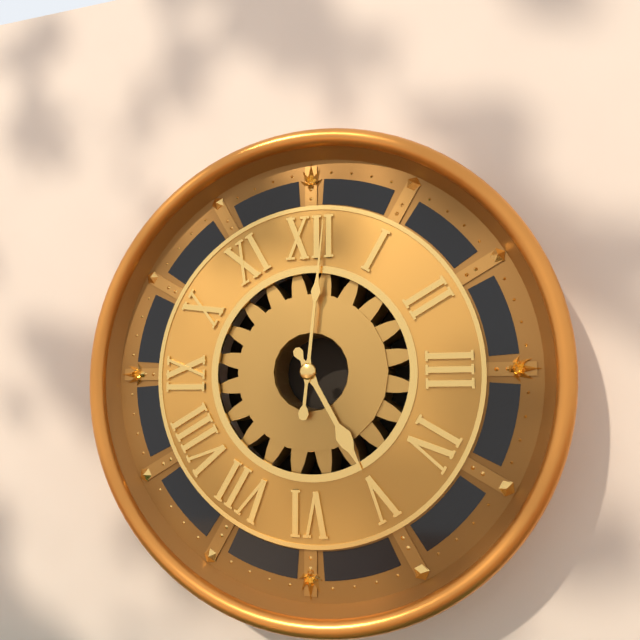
{"hour": 5, "minute": 1}
